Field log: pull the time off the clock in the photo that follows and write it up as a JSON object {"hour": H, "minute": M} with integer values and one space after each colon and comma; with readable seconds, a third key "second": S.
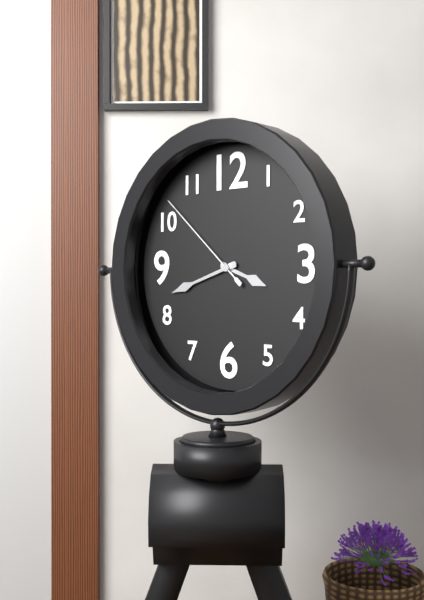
{"hour": 3, "minute": 42, "second": 52}
